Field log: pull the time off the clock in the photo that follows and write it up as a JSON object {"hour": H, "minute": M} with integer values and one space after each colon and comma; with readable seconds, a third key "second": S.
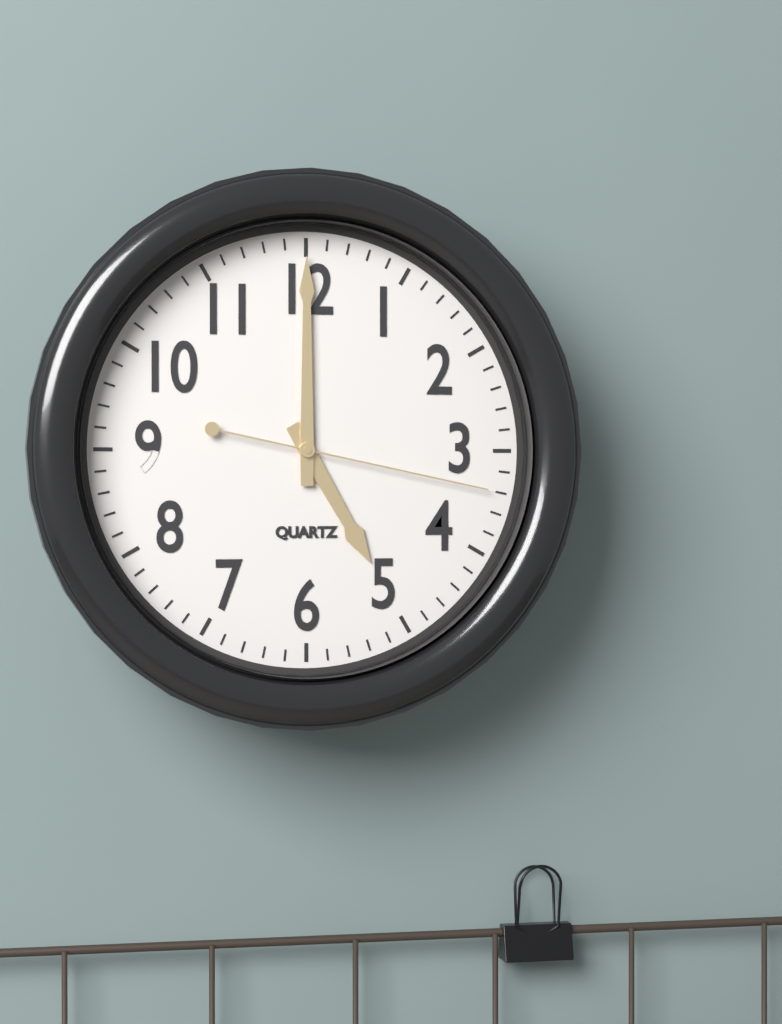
{"hour": 5, "minute": 0, "second": 17}
